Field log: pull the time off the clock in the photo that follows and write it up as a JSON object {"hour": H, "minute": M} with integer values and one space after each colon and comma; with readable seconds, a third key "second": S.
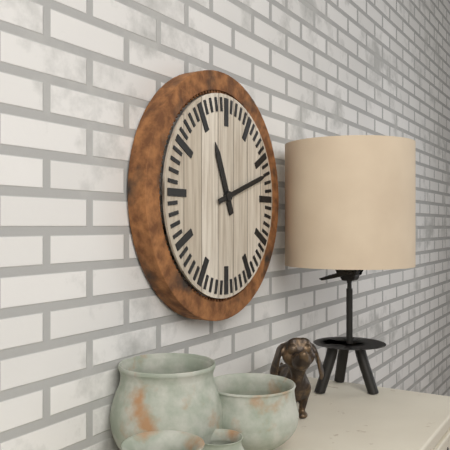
{"hour": 11, "minute": 12}
